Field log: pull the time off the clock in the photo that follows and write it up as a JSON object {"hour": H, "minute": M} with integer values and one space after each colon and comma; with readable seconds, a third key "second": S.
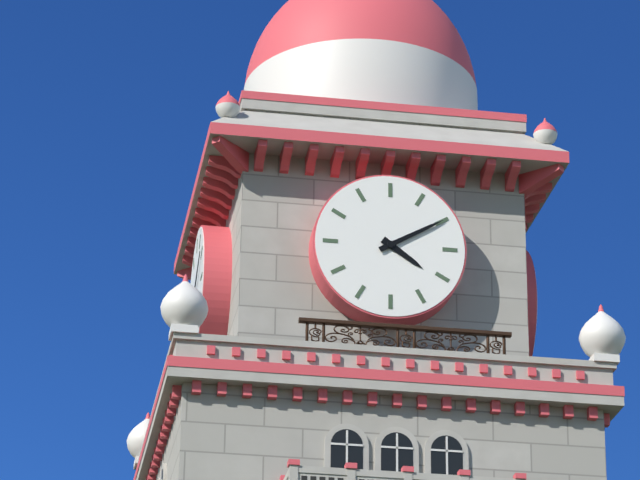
{"hour": 4, "minute": 10}
